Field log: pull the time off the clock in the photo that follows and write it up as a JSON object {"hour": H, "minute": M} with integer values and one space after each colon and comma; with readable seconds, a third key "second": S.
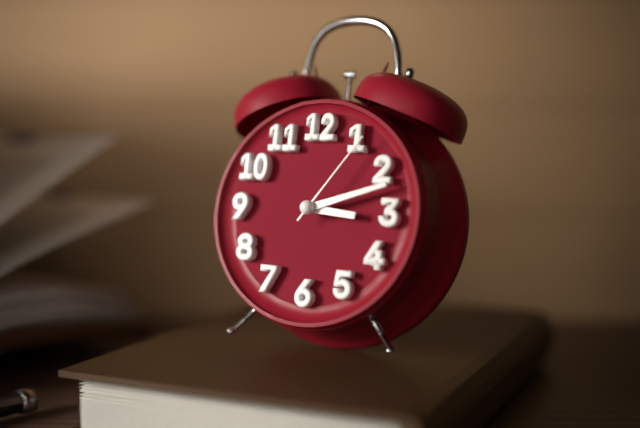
{"hour": 3, "minute": 12, "second": 6}
